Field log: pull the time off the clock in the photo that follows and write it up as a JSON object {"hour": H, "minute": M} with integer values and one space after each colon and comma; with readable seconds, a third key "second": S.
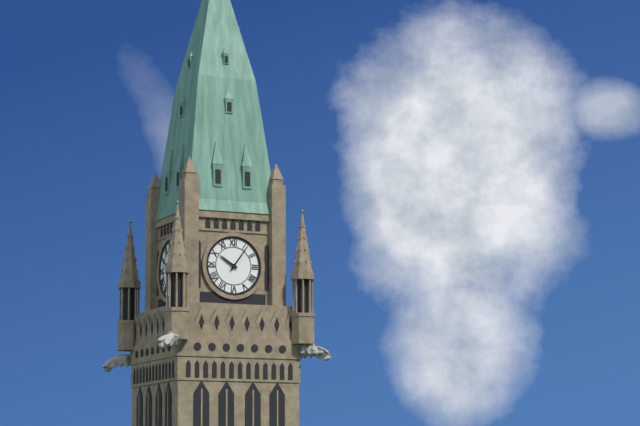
{"hour": 10, "minute": 6}
